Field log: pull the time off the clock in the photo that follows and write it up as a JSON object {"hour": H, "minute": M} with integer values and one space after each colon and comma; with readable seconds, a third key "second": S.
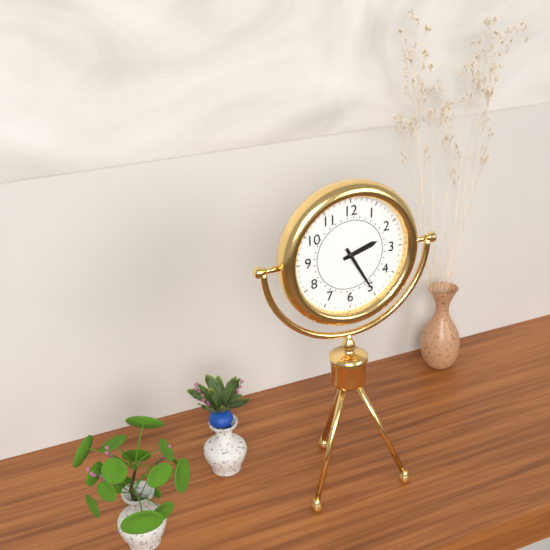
{"hour": 2, "minute": 25}
